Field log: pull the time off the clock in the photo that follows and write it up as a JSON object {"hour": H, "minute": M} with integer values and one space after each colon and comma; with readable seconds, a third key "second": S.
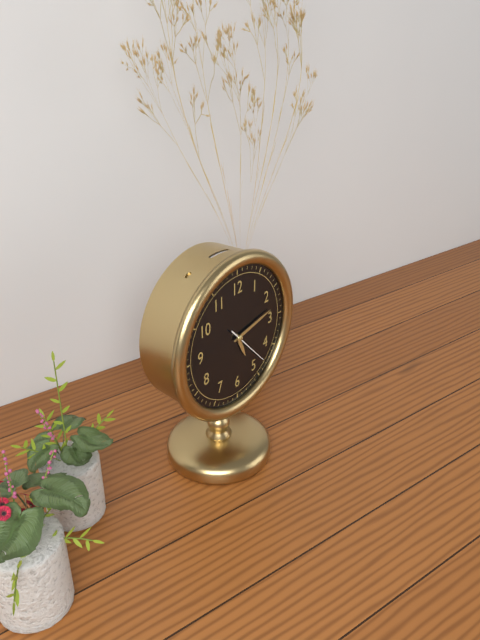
{"hour": 5, "minute": 13}
